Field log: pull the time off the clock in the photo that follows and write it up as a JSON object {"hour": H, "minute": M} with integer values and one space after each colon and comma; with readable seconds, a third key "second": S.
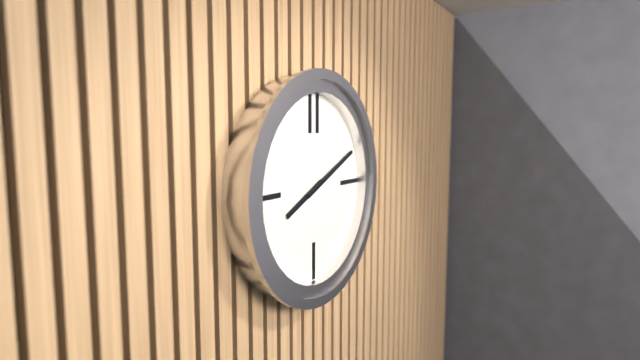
{"hour": 8, "minute": 11}
